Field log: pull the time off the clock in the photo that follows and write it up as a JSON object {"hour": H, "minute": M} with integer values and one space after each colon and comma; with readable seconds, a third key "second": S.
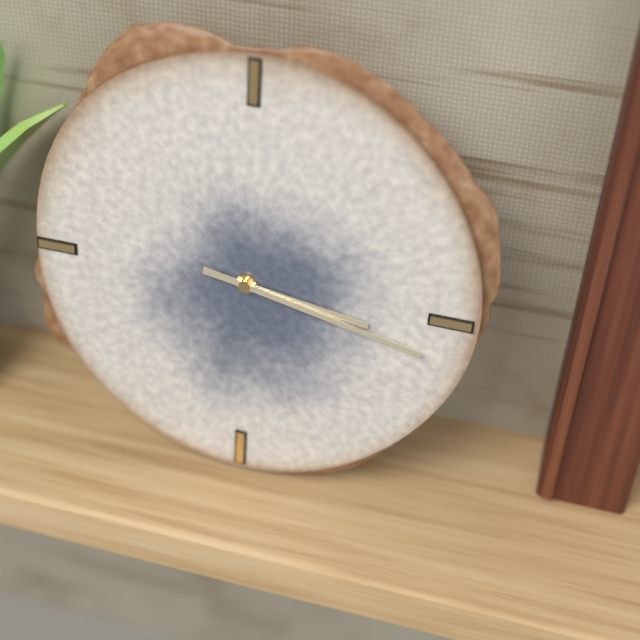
{"hour": 3, "minute": 17}
